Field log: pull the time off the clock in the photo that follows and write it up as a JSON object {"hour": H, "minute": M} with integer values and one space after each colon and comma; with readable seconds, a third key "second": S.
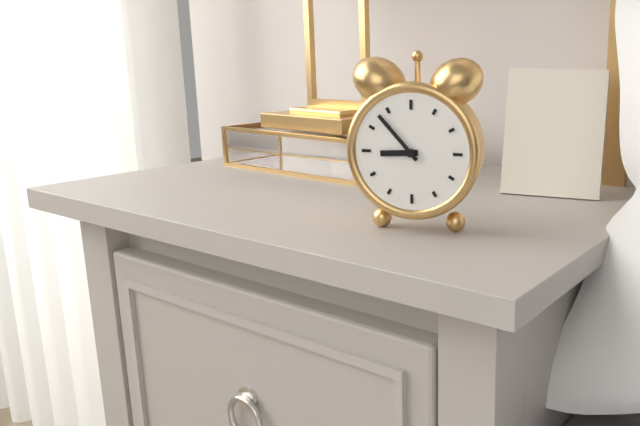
{"hour": 8, "minute": 53}
